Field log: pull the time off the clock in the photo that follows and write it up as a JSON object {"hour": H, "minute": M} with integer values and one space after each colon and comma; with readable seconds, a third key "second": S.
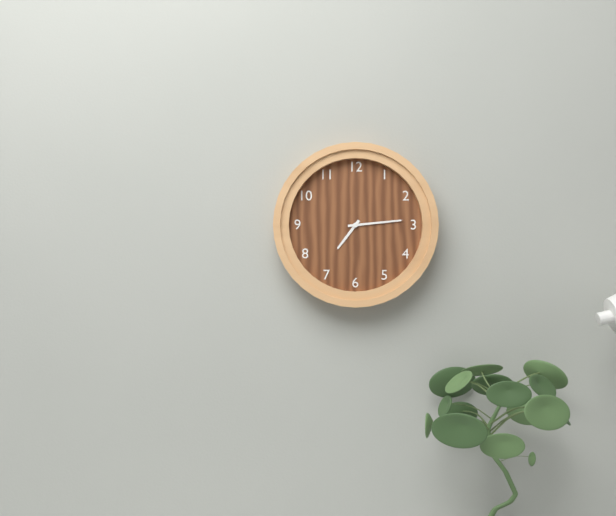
{"hour": 7, "minute": 14}
